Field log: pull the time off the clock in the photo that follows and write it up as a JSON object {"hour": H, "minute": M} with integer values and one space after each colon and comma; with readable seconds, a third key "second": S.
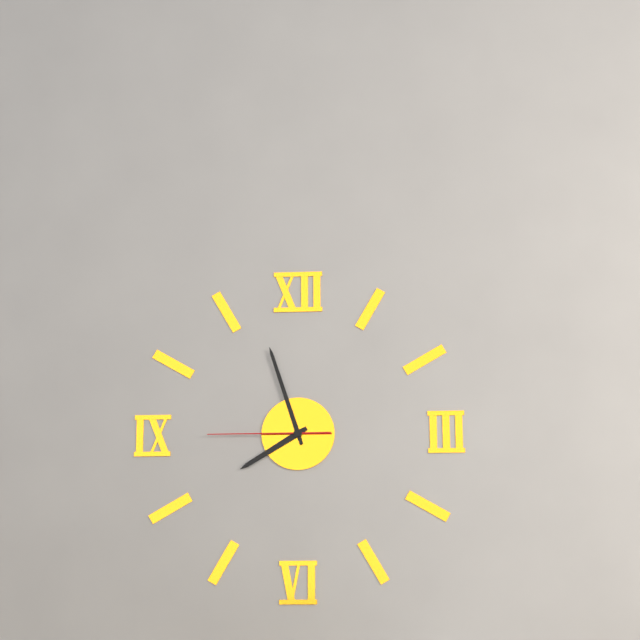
{"hour": 7, "minute": 57, "second": 45}
